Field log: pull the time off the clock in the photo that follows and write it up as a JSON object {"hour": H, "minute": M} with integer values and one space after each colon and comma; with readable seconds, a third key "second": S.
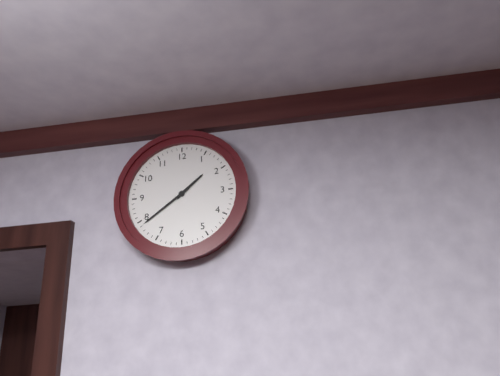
{"hour": 1, "minute": 39}
